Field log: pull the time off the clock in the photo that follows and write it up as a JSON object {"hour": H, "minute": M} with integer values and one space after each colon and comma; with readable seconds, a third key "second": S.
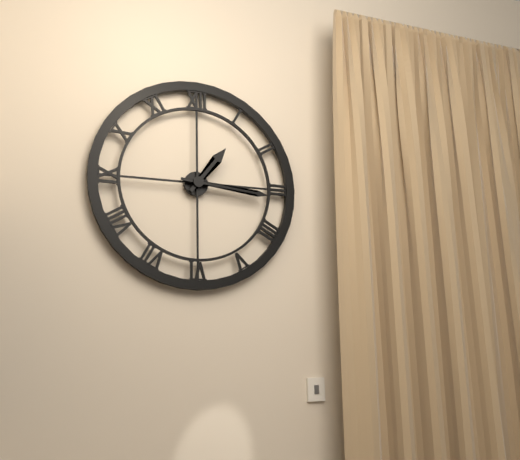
{"hour": 1, "minute": 16}
